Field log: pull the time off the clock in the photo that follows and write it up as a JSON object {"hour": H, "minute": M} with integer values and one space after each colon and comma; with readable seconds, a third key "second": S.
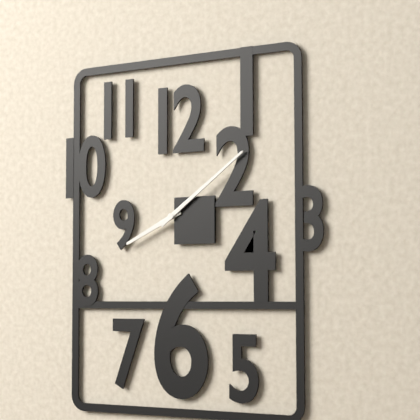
{"hour": 8, "minute": 9}
